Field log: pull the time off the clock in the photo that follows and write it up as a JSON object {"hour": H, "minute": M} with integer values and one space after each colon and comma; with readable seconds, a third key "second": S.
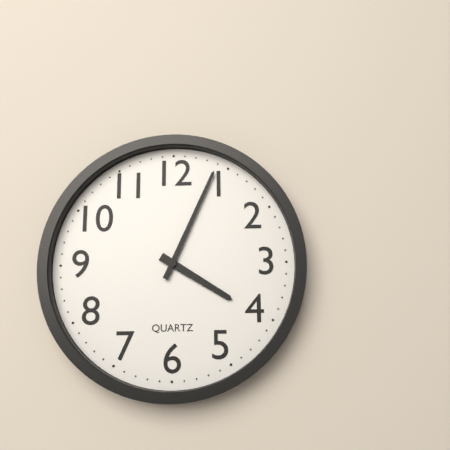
{"hour": 4, "minute": 4}
